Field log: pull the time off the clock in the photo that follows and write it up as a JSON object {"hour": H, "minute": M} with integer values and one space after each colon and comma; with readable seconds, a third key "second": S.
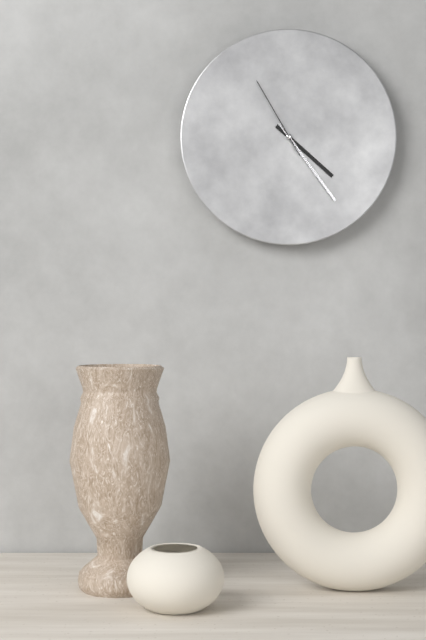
{"hour": 4, "minute": 24, "second": 55}
